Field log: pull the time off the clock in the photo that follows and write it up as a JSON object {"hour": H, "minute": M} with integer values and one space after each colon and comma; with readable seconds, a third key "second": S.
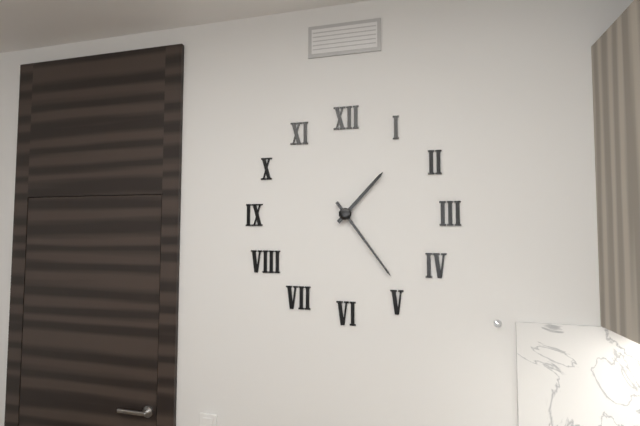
{"hour": 1, "minute": 24}
